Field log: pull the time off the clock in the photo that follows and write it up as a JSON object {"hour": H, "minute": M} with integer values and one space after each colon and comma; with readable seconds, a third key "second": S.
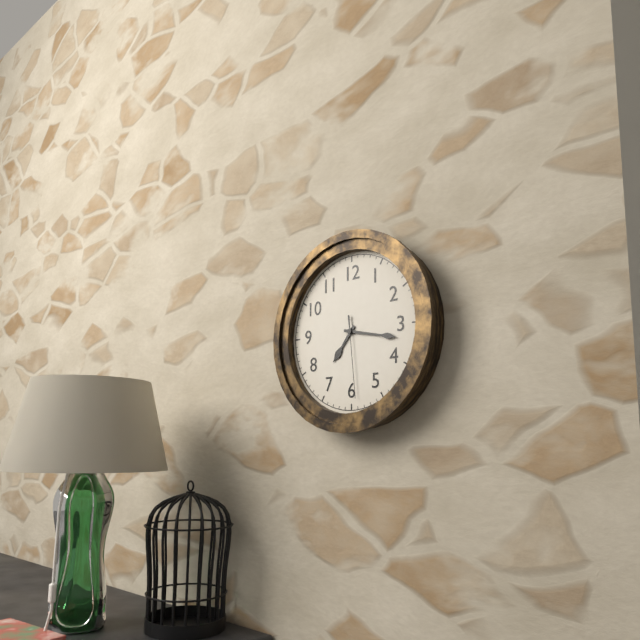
{"hour": 7, "minute": 17, "second": 29}
